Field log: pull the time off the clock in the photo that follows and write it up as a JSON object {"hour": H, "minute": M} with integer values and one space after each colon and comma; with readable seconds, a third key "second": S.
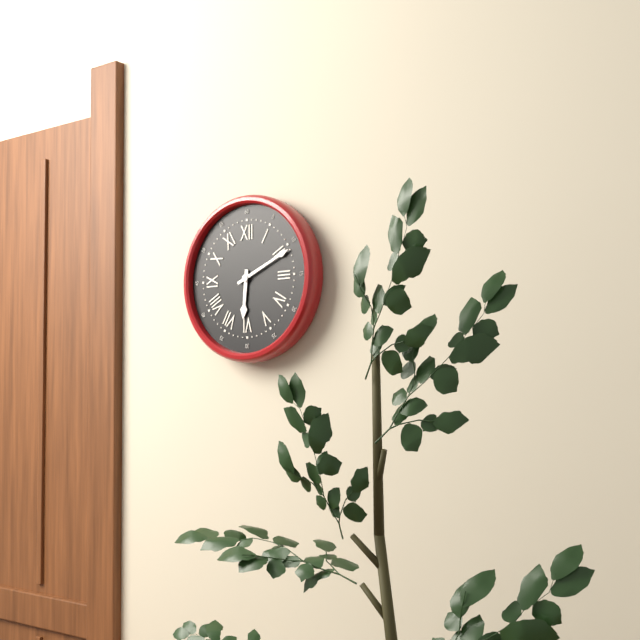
{"hour": 6, "minute": 11}
